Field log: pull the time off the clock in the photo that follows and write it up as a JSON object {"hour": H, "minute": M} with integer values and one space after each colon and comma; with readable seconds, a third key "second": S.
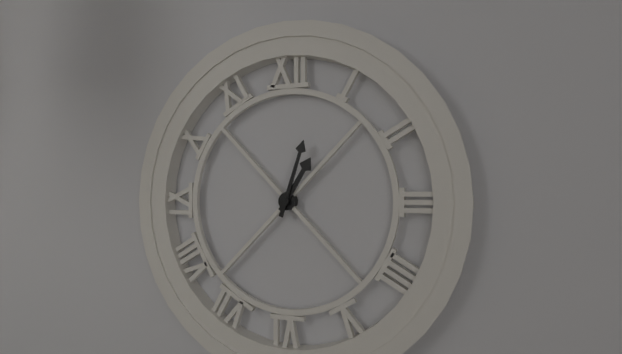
{"hour": 1, "minute": 3}
